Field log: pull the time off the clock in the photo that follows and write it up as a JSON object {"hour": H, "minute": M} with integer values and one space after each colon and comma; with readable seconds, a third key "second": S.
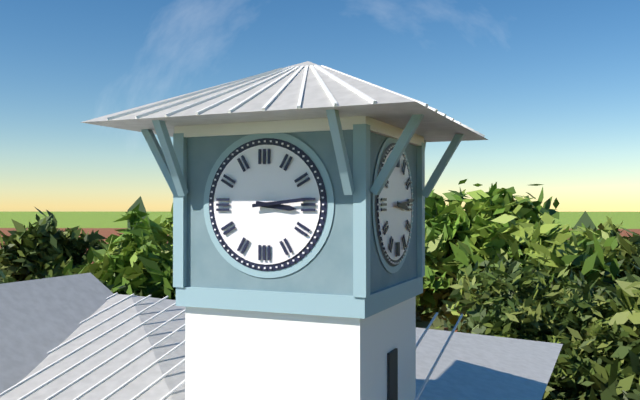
{"hour": 3, "minute": 14}
